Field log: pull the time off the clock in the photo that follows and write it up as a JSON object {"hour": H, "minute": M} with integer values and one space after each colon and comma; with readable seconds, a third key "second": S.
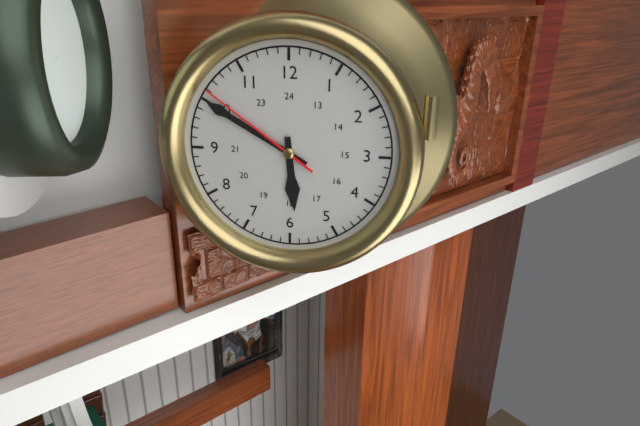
{"hour": 5, "minute": 50, "second": 51}
